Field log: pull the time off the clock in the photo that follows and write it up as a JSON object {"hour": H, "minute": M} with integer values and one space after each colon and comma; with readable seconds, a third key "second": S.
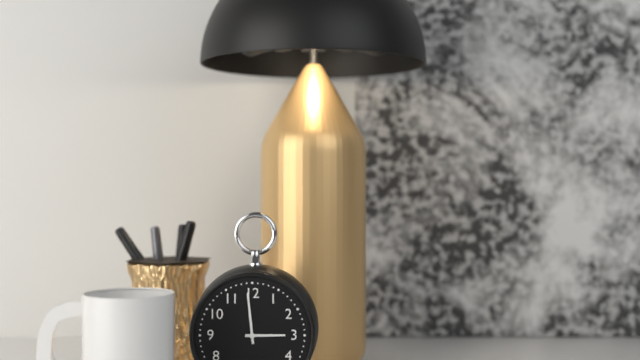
{"hour": 2, "minute": 59}
